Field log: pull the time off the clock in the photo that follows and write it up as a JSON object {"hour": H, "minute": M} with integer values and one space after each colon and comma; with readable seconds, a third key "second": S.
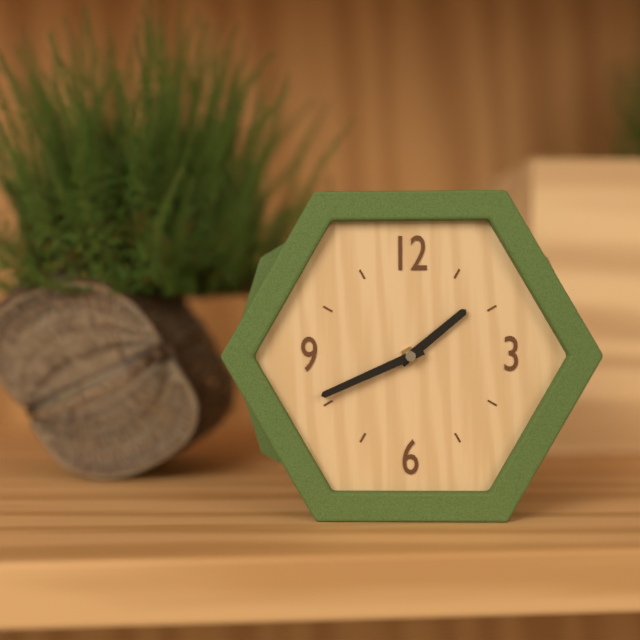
{"hour": 1, "minute": 41}
